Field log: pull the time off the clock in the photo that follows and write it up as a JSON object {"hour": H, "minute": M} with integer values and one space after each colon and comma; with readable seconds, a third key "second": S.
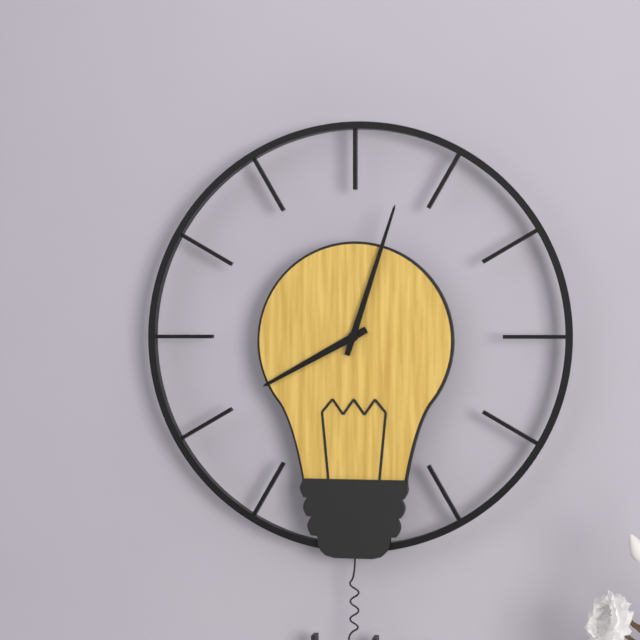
{"hour": 8, "minute": 3}
